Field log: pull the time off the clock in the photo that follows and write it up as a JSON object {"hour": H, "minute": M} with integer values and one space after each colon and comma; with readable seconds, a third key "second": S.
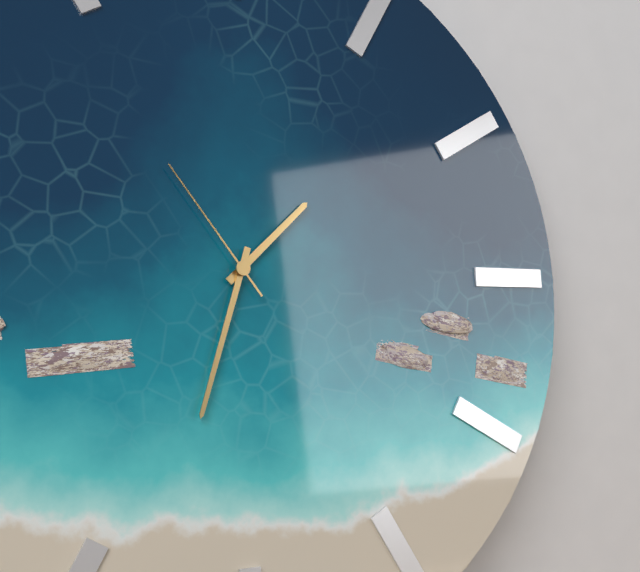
{"hour": 1, "minute": 33, "second": 54}
